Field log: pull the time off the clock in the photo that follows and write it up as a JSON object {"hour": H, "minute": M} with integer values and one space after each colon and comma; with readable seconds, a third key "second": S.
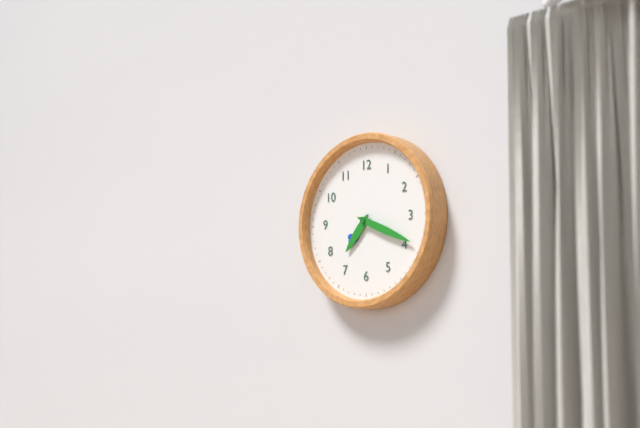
{"hour": 7, "minute": 19}
